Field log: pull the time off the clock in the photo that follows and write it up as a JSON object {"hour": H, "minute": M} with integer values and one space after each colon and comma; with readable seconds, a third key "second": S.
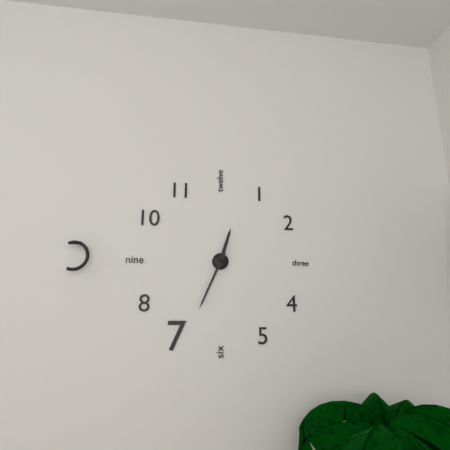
{"hour": 12, "minute": 34}
